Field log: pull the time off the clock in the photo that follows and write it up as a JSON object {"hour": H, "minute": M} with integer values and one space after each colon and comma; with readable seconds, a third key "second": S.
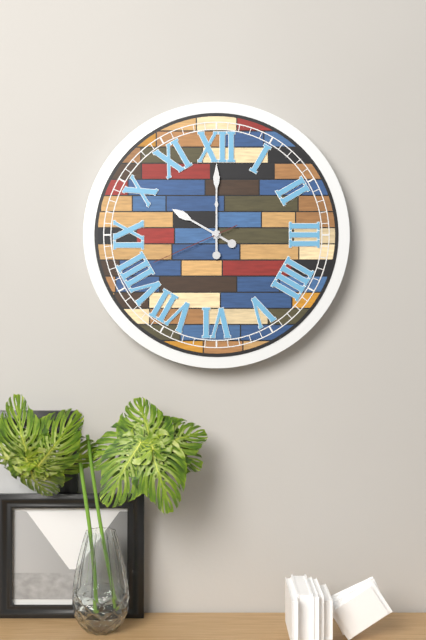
{"hour": 10, "minute": 0, "second": 41}
